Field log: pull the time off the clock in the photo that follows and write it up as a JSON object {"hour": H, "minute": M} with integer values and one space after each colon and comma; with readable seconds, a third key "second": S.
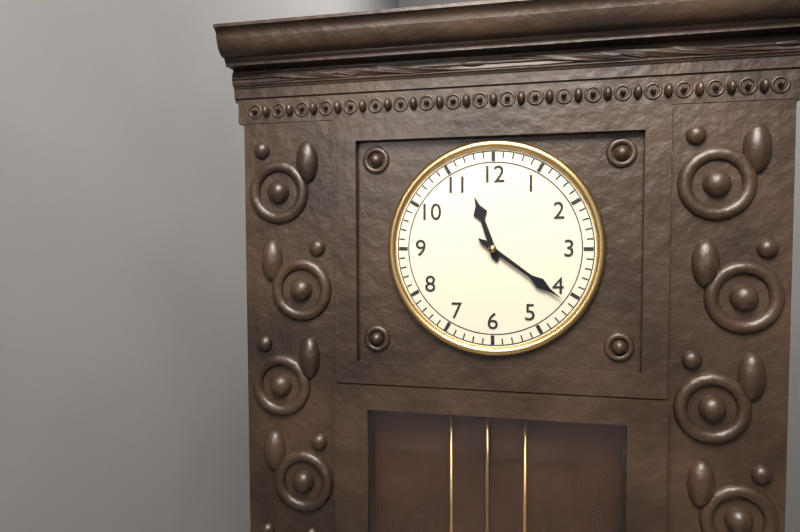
{"hour": 11, "minute": 21}
